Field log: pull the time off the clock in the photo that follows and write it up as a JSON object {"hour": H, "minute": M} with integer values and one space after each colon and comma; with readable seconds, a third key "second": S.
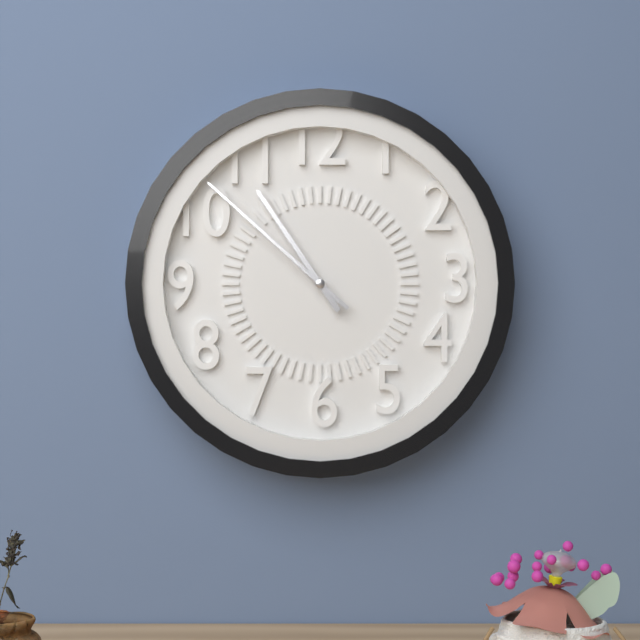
{"hour": 10, "minute": 52}
